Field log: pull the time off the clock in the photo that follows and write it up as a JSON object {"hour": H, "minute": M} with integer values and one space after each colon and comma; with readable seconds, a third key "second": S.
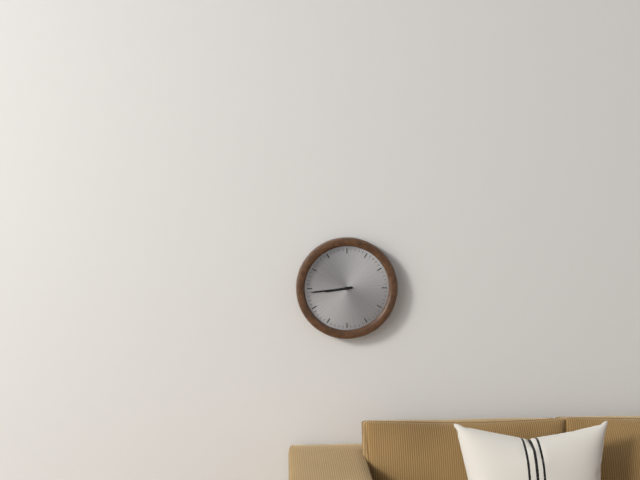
{"hour": 8, "minute": 44}
